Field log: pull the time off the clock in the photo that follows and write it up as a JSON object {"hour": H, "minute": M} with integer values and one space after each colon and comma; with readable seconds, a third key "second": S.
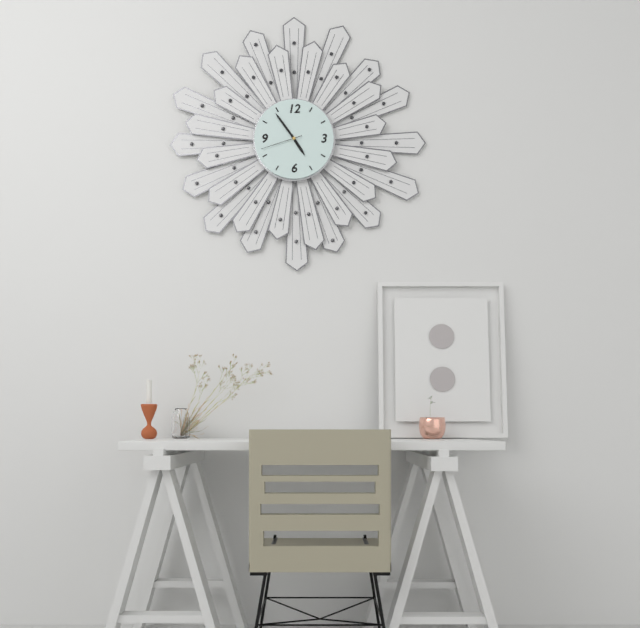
{"hour": 4, "minute": 54}
